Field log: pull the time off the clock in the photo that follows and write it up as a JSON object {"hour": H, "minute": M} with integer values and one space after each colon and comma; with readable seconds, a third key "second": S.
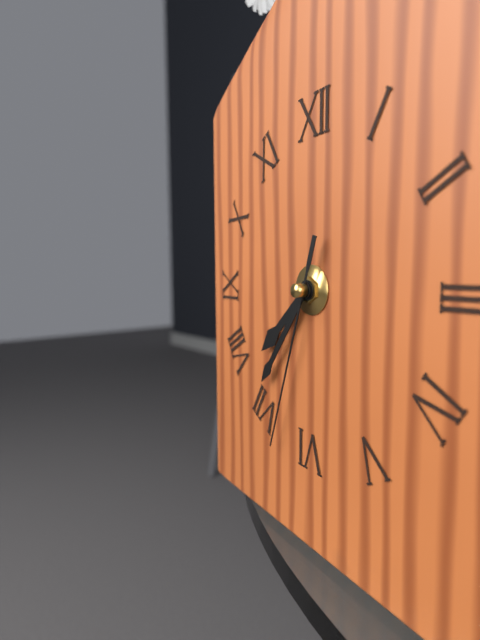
{"hour": 7, "minute": 36, "second": 33}
